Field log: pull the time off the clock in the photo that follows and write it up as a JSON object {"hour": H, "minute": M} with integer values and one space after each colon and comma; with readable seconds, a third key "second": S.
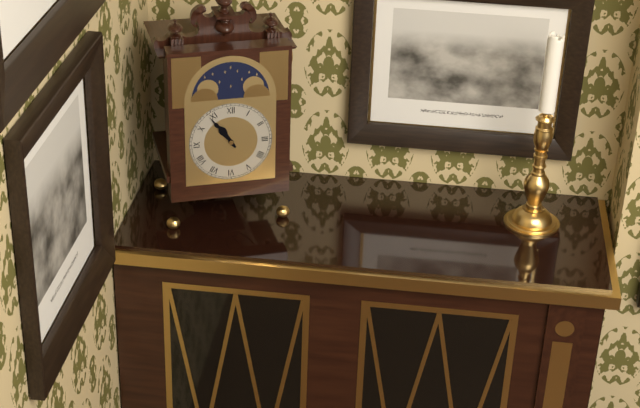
{"hour": 10, "minute": 54}
